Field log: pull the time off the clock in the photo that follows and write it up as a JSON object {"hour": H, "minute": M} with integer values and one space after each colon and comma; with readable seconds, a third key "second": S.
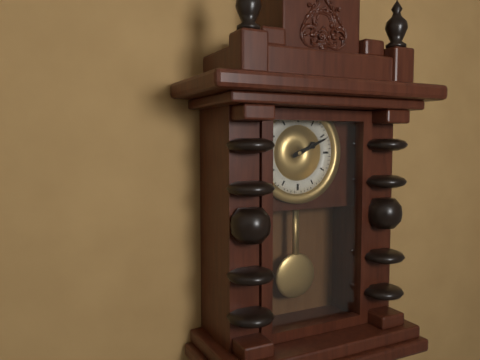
{"hour": 2, "minute": 11}
